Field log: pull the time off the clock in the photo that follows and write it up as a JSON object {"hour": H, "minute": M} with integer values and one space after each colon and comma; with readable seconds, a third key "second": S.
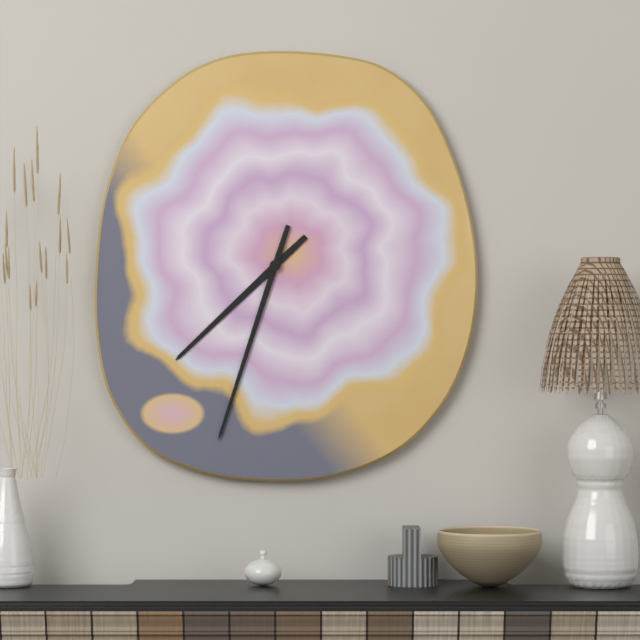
{"hour": 7, "minute": 33}
